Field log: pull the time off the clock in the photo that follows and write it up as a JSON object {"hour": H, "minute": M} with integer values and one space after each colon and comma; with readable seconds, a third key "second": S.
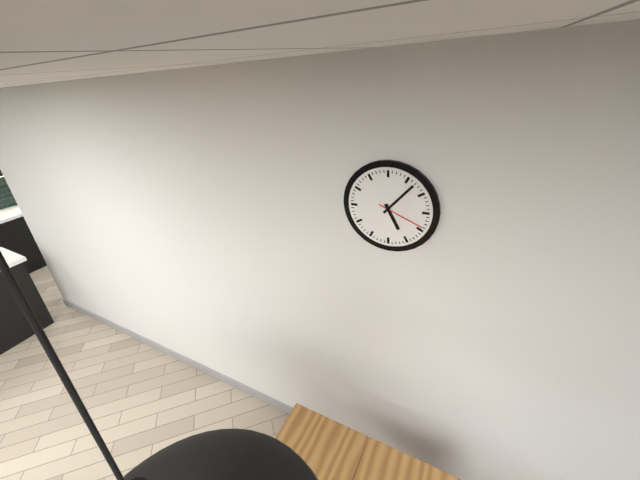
{"hour": 5, "minute": 7}
